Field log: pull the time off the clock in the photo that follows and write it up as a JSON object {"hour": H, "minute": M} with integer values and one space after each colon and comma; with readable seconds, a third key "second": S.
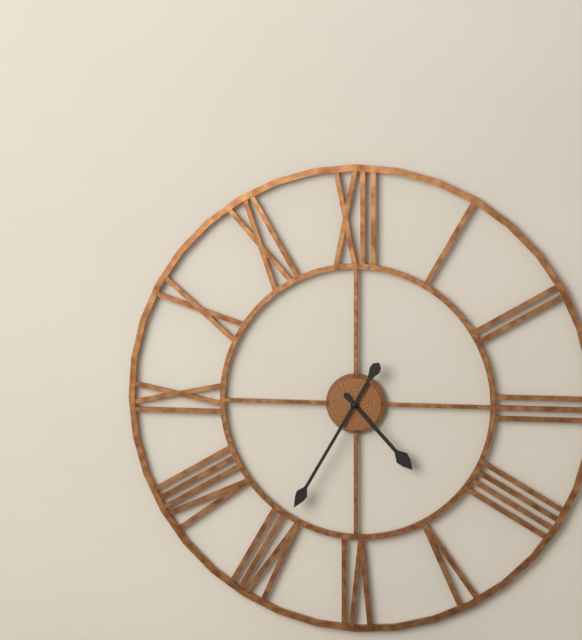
{"hour": 4, "minute": 35}
